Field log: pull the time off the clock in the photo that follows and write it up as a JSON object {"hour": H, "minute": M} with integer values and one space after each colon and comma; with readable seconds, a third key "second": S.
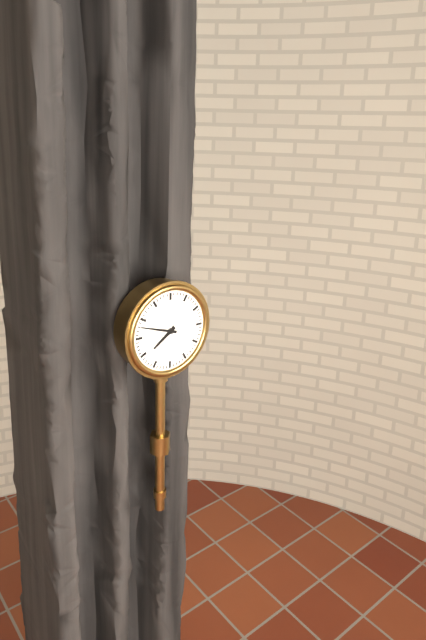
{"hour": 7, "minute": 48}
